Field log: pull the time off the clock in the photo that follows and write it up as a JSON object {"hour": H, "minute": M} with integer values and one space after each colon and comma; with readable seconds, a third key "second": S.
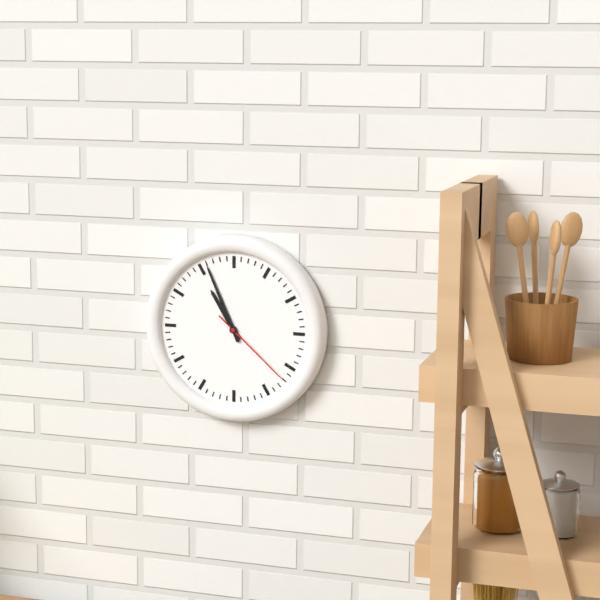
{"hour": 10, "minute": 56, "second": 22}
